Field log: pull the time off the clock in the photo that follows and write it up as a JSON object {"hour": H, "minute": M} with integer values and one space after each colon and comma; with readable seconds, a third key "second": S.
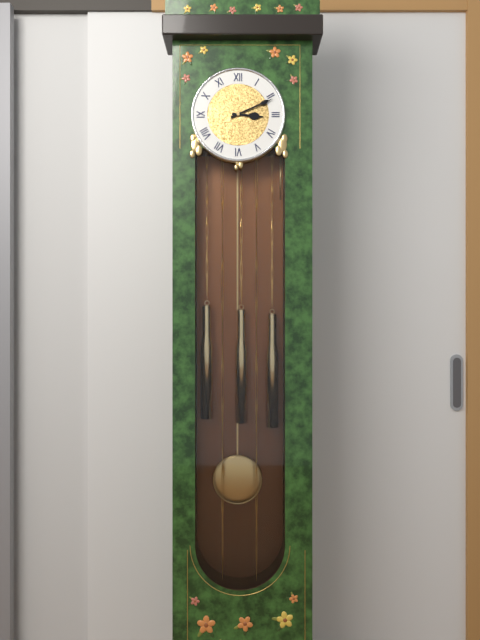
{"hour": 3, "minute": 11}
